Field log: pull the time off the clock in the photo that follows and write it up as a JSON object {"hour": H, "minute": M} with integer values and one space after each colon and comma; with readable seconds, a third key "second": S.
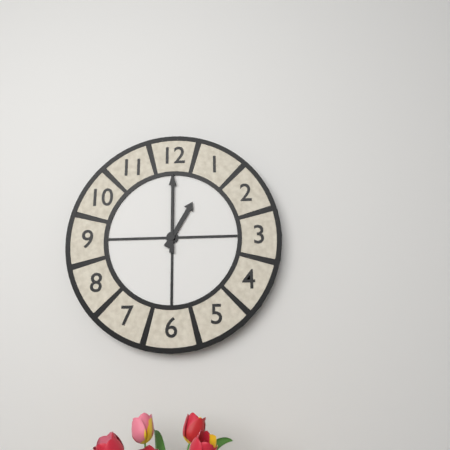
{"hour": 1, "minute": 0}
